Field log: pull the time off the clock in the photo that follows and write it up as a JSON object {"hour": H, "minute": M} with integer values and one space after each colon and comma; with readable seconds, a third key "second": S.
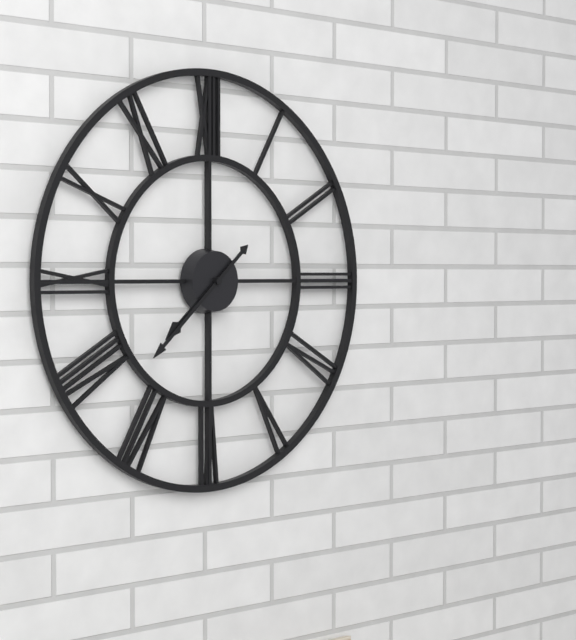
{"hour": 7, "minute": 38}
